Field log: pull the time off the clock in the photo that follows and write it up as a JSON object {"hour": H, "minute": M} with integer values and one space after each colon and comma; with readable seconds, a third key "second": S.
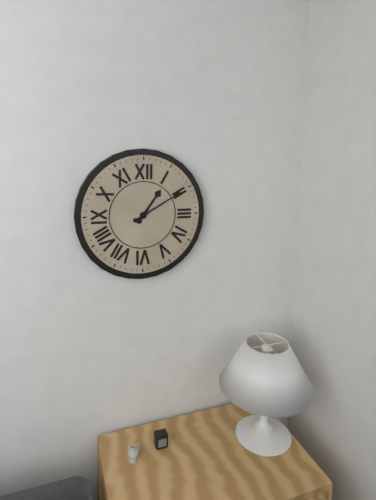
{"hour": 1, "minute": 10}
